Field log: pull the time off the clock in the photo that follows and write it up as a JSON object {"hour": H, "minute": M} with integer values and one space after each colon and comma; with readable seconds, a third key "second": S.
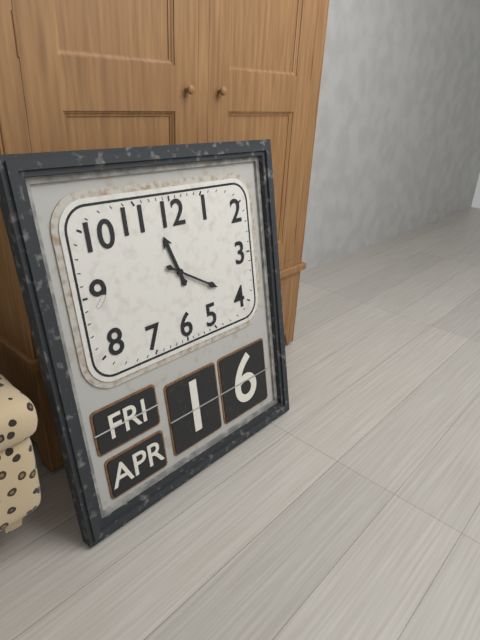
{"hour": 11, "minute": 20}
